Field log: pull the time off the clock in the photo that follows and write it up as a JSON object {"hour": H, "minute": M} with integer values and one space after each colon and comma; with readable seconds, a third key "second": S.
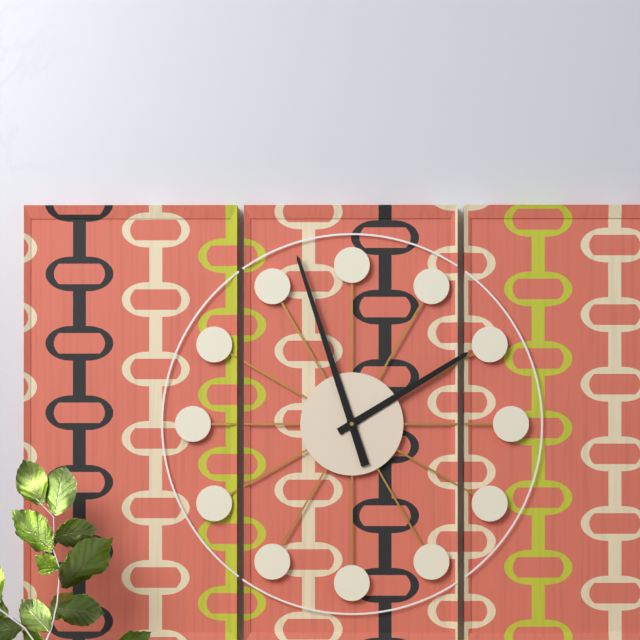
{"hour": 1, "minute": 57}
